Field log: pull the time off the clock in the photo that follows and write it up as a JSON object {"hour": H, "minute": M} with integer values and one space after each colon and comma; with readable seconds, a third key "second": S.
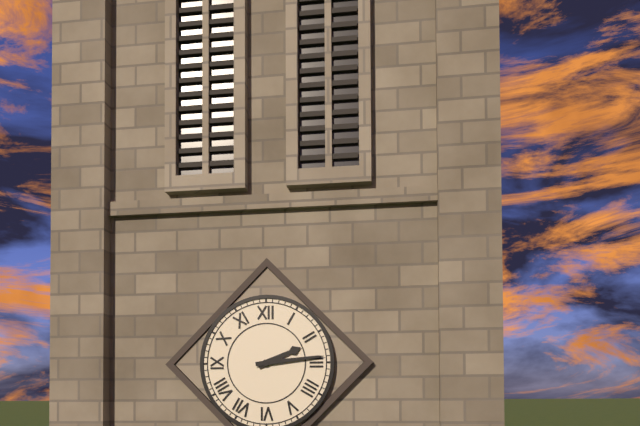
{"hour": 2, "minute": 14}
